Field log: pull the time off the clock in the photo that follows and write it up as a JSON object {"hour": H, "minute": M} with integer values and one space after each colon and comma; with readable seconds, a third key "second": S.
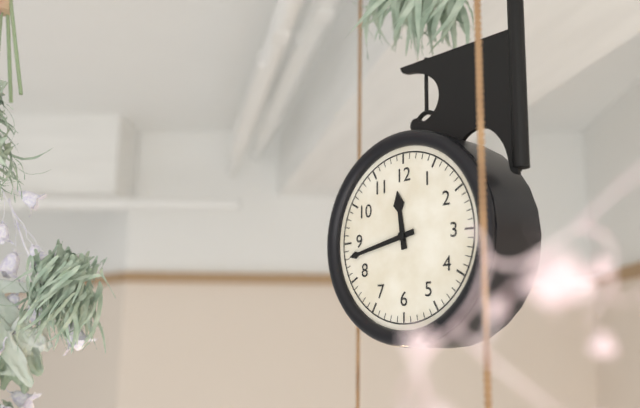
{"hour": 11, "minute": 43}
